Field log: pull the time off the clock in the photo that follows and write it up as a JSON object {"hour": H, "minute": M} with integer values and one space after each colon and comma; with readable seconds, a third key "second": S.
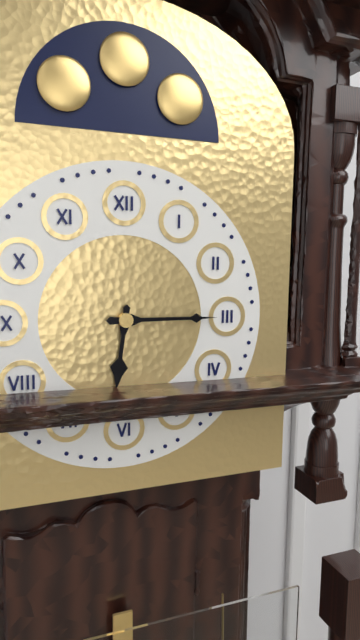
{"hour": 6, "minute": 15}
